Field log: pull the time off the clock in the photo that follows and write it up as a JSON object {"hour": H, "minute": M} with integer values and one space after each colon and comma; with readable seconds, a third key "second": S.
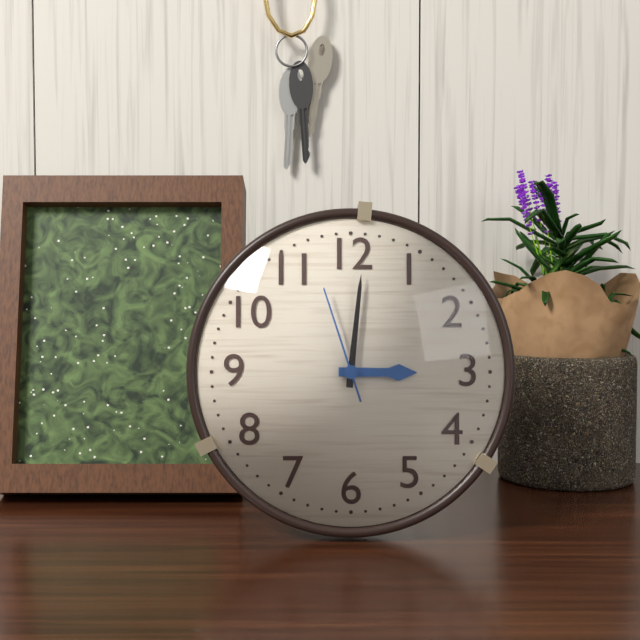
{"hour": 3, "minute": 1, "second": 57}
